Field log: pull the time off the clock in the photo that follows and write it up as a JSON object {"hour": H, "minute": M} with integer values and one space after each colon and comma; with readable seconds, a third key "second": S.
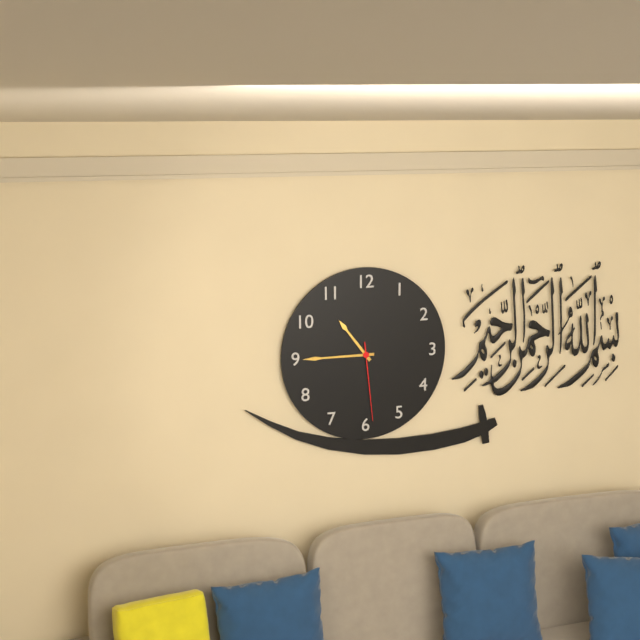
{"hour": 10, "minute": 45, "second": 29}
